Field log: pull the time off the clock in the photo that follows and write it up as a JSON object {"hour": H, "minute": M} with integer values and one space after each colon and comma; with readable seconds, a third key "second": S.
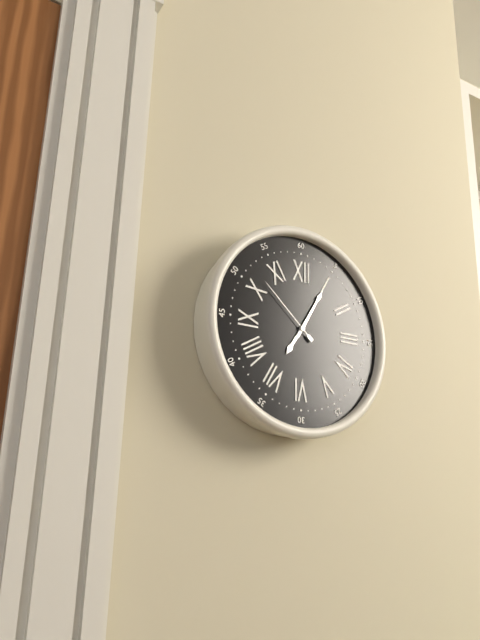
{"hour": 7, "minute": 5, "second": 52}
